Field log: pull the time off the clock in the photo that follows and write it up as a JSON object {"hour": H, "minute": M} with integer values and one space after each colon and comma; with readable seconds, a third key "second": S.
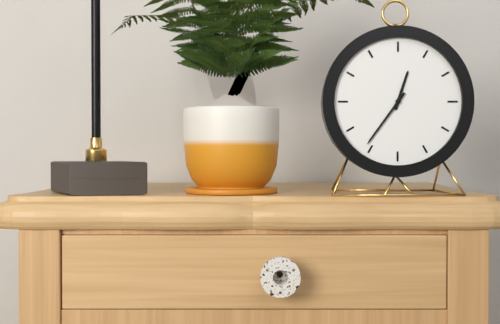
{"hour": 12, "minute": 36}
